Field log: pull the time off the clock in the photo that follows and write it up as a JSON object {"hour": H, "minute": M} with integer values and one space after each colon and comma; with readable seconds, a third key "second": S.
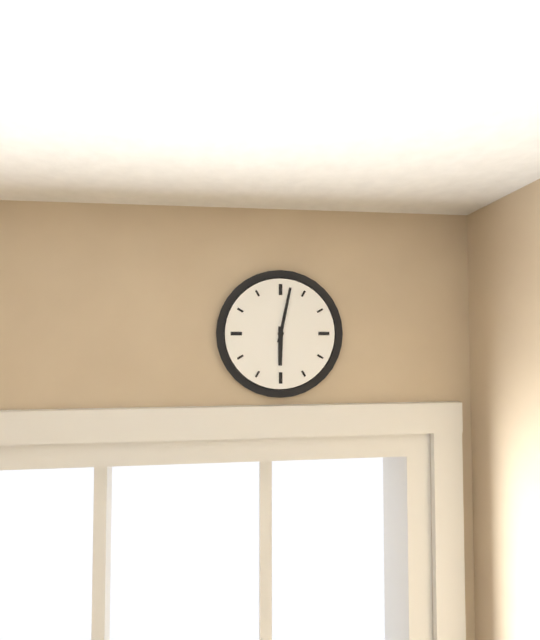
{"hour": 6, "minute": 2}
